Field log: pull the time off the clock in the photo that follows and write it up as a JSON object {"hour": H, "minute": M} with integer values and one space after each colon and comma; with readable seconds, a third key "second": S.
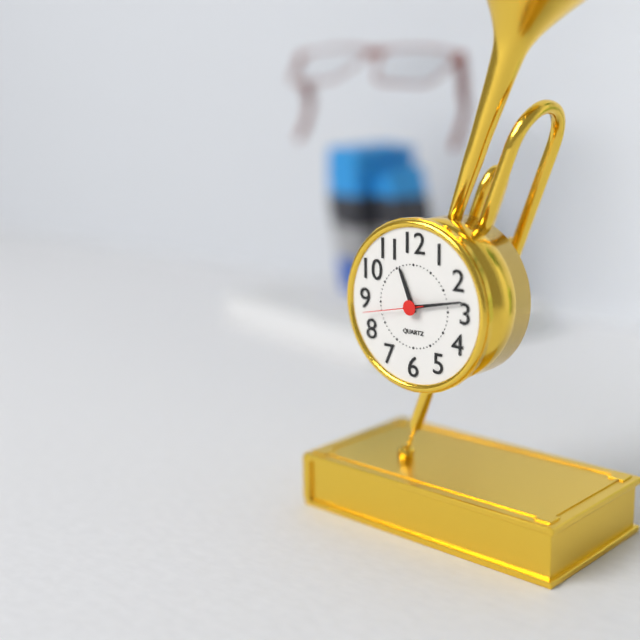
{"hour": 11, "minute": 13, "second": 43}
